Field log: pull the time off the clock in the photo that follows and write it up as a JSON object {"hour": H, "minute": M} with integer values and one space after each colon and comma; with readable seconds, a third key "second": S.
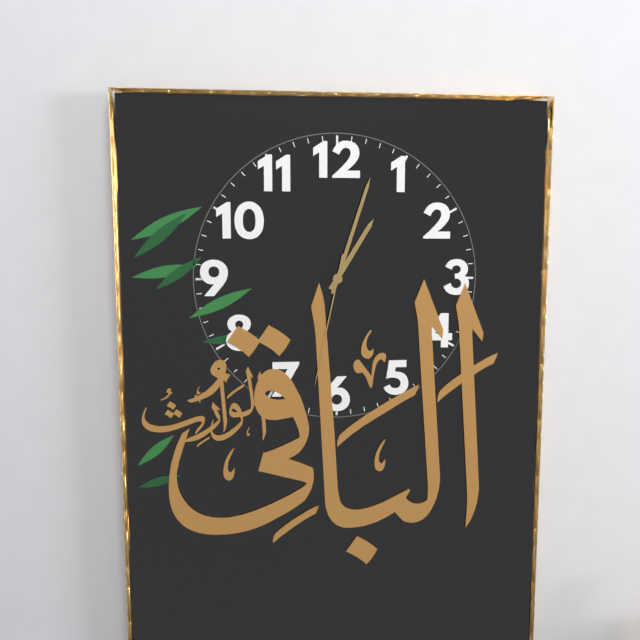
{"hour": 1, "minute": 3, "second": 32}
